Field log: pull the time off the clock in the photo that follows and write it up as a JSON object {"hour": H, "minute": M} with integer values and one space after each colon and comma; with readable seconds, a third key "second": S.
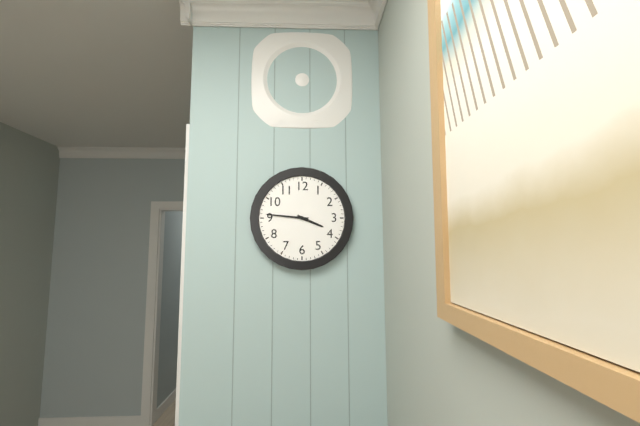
{"hour": 3, "minute": 46}
